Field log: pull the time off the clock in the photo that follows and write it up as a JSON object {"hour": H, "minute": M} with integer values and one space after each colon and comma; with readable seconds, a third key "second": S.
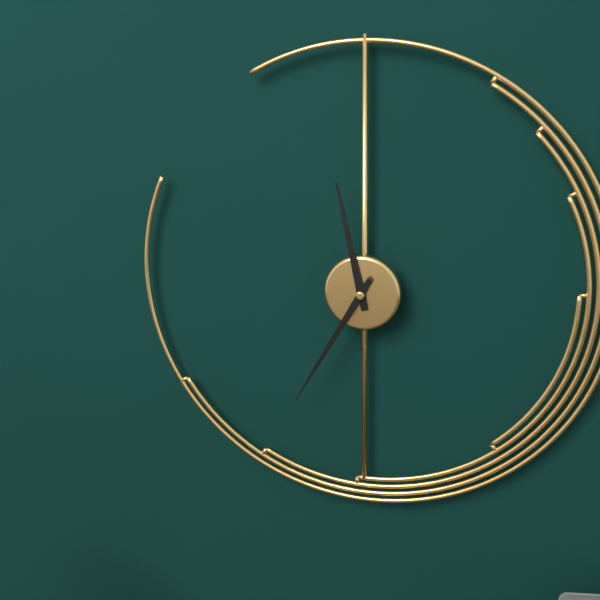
{"hour": 11, "minute": 35}
